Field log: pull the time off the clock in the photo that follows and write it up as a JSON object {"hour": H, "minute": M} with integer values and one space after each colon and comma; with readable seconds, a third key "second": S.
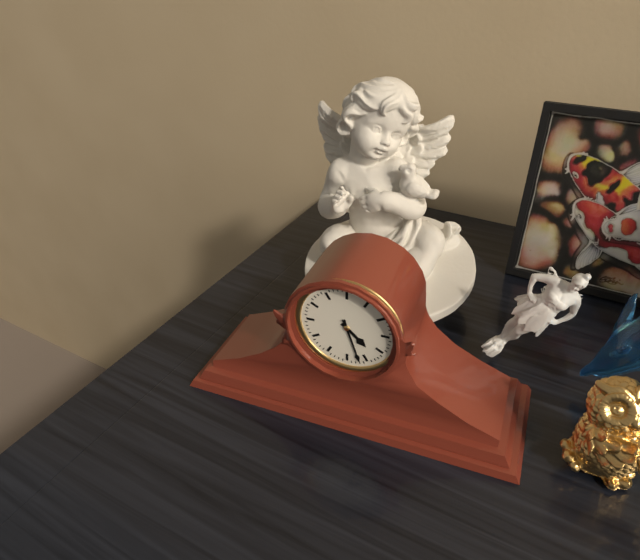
{"hour": 4, "minute": 27}
